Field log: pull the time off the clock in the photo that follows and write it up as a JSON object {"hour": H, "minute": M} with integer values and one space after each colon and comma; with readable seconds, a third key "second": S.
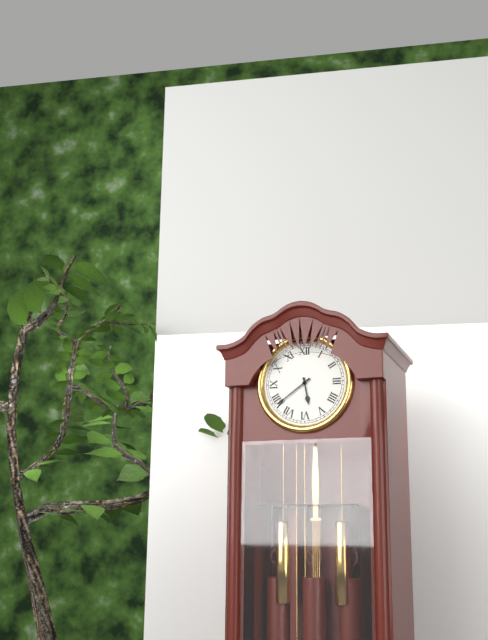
{"hour": 5, "minute": 39}
